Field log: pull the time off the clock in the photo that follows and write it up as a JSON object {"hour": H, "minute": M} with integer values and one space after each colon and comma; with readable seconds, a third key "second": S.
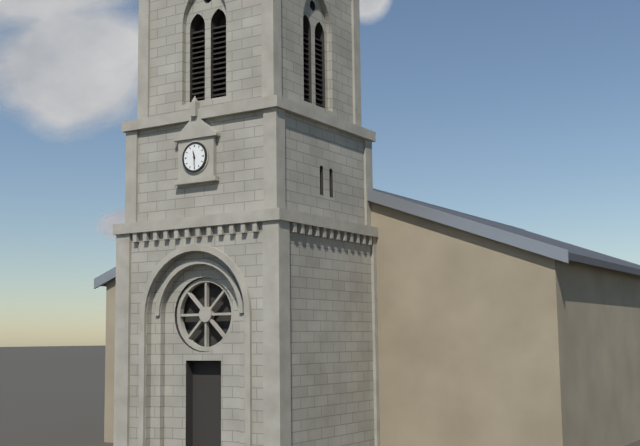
{"hour": 11, "minute": 30}
